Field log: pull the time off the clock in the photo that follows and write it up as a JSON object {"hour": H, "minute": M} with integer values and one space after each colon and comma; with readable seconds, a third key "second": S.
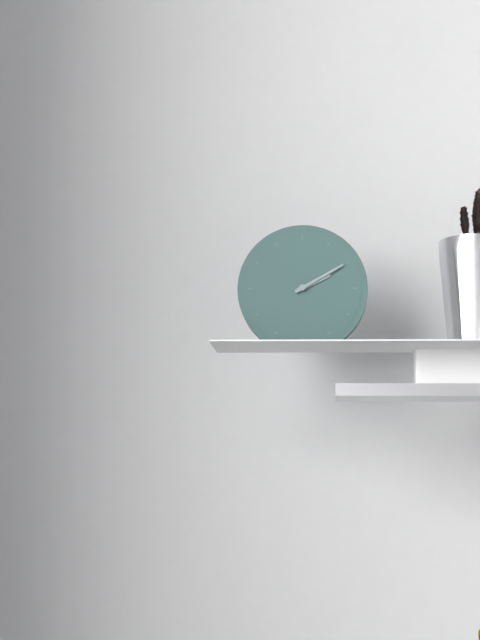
{"hour": 2, "minute": 10}
